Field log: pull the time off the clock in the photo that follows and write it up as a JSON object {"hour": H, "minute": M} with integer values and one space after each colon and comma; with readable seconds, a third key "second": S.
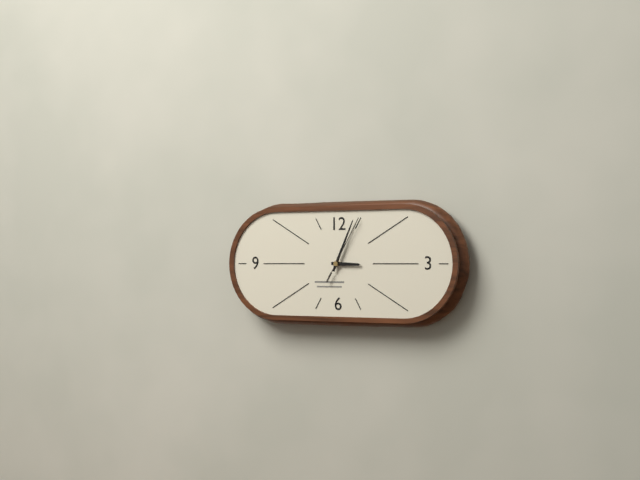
{"hour": 3, "minute": 4, "second": 5}
